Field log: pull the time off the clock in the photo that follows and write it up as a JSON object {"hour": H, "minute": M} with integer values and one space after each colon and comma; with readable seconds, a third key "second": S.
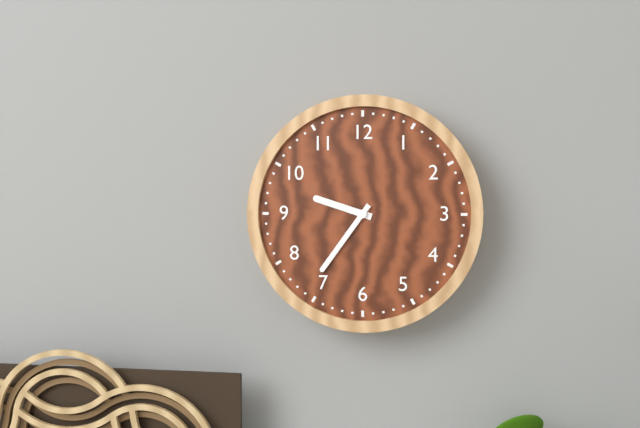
{"hour": 9, "minute": 36}
